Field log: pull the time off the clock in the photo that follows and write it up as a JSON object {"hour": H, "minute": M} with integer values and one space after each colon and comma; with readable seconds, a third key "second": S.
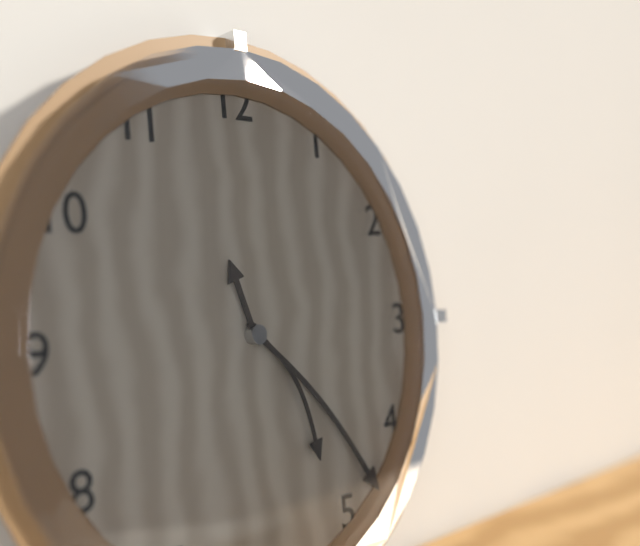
{"hour": 11, "minute": 23, "second": 25}
